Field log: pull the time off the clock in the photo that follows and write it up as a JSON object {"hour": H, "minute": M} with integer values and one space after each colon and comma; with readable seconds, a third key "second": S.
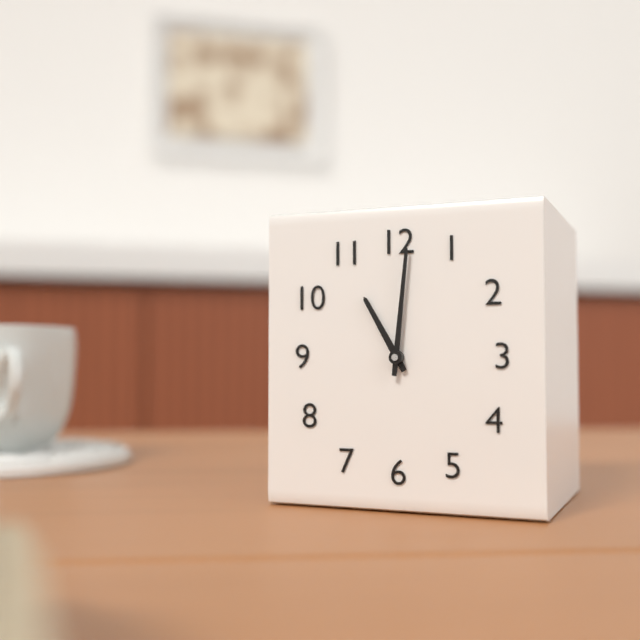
{"hour": 11, "minute": 1}
